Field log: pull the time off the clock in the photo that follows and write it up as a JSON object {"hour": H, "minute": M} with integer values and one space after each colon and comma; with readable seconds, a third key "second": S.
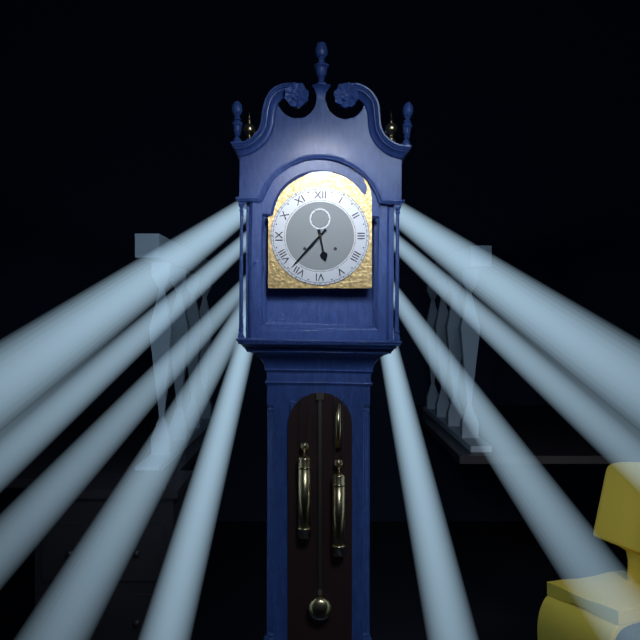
{"hour": 5, "minute": 37}
